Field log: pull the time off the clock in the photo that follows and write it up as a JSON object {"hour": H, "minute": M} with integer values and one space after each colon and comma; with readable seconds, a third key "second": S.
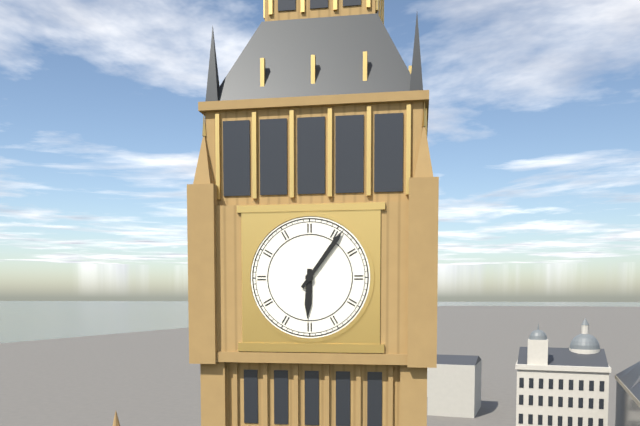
{"hour": 6, "minute": 6}
